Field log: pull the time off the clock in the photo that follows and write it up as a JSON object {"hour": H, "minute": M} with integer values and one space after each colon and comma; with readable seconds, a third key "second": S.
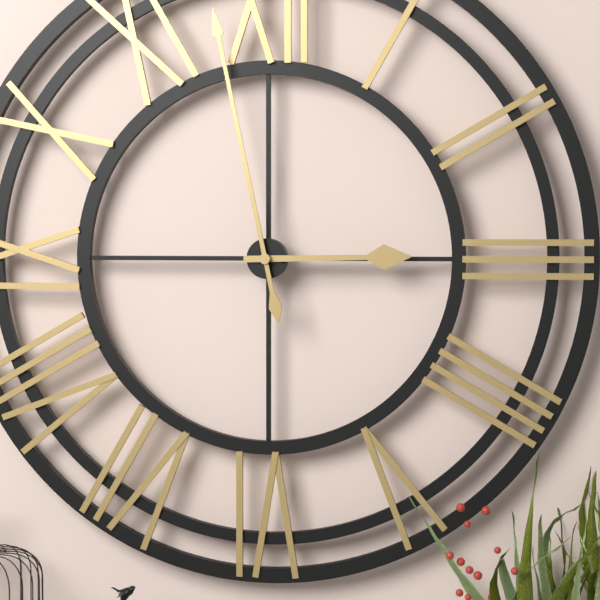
{"hour": 2, "minute": 58}
